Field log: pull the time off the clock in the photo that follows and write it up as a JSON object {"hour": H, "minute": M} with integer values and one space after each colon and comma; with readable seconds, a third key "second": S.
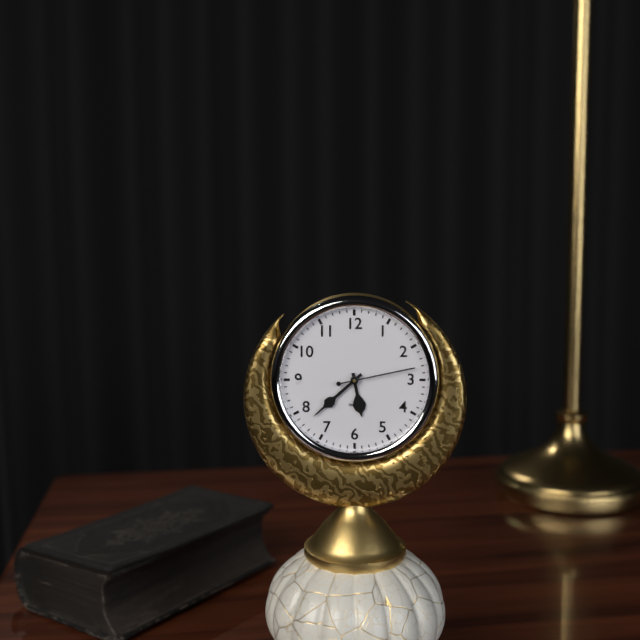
{"hour": 5, "minute": 38, "second": 13}
